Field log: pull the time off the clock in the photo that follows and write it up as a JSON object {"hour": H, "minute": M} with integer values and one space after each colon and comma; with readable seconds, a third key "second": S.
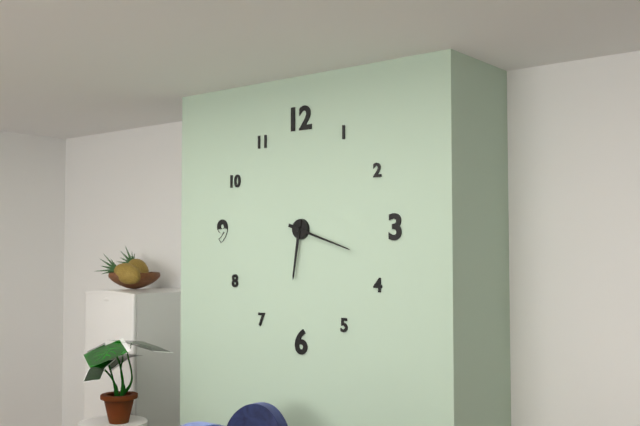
{"hour": 6, "minute": 18}
